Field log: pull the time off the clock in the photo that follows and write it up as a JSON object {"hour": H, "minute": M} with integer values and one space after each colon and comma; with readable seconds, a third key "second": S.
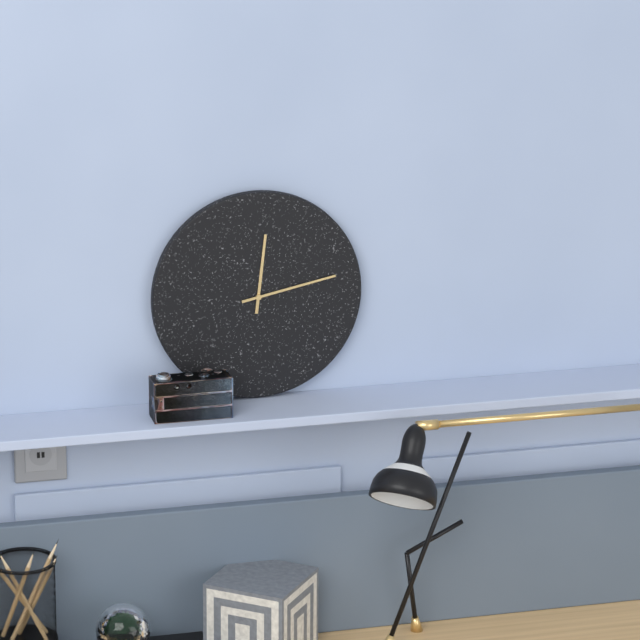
{"hour": 12, "minute": 13}
